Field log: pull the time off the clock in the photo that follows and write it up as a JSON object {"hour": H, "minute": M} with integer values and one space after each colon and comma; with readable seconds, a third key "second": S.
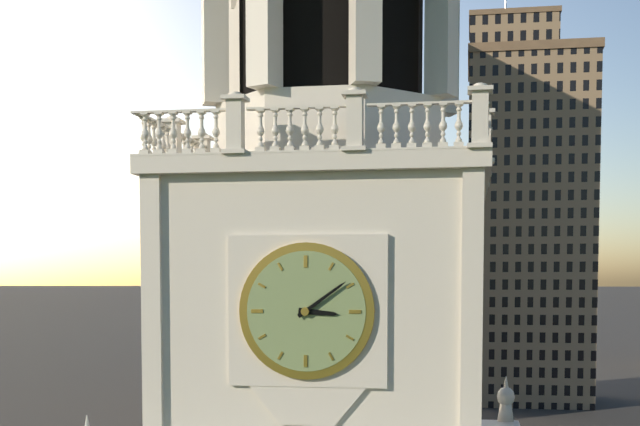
{"hour": 3, "minute": 9}
